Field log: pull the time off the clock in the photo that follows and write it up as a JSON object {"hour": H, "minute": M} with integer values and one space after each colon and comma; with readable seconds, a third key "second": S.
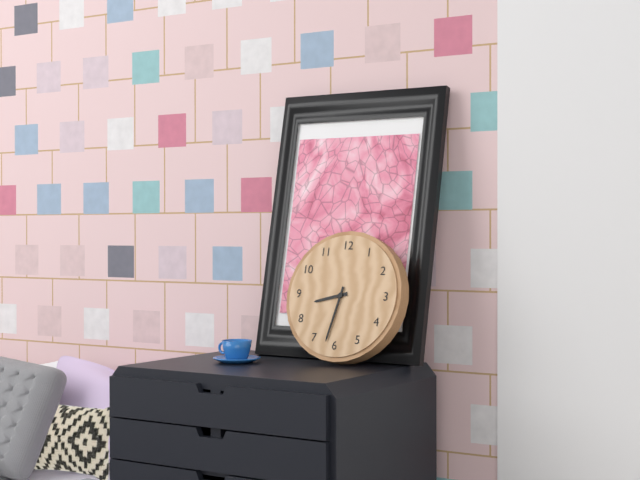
{"hour": 8, "minute": 32}
